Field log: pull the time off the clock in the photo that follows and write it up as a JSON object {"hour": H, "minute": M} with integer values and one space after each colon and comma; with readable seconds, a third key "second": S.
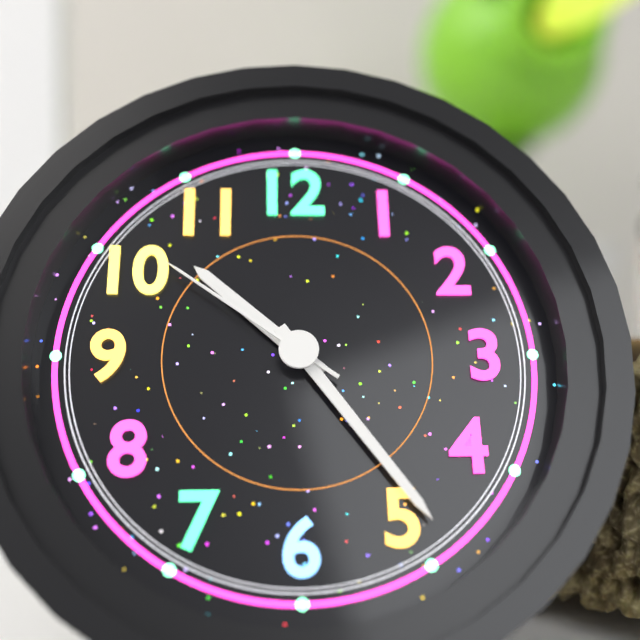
{"hour": 10, "minute": 24, "second": 51}
